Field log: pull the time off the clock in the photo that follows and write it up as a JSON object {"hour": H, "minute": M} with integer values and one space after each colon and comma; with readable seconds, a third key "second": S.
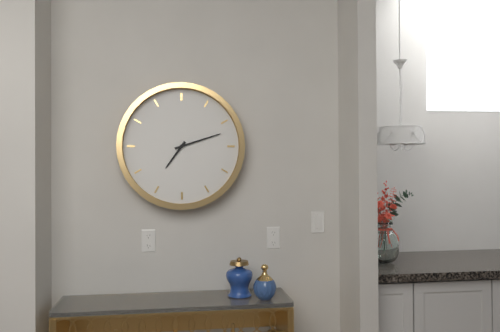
{"hour": 7, "minute": 12}
